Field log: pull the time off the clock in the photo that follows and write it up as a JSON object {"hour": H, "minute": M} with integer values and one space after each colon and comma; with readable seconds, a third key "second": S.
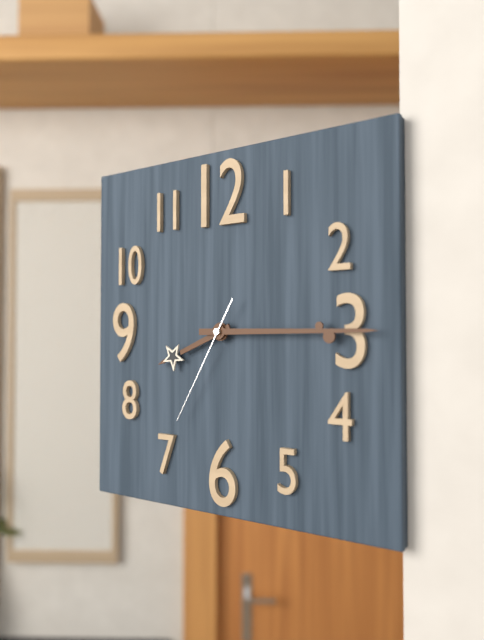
{"hour": 8, "minute": 15, "second": 35}
